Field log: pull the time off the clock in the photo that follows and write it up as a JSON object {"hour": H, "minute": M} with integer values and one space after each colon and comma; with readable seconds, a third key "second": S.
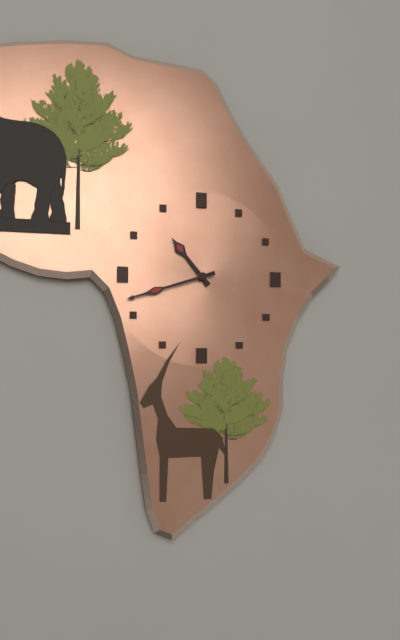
{"hour": 10, "minute": 42}
